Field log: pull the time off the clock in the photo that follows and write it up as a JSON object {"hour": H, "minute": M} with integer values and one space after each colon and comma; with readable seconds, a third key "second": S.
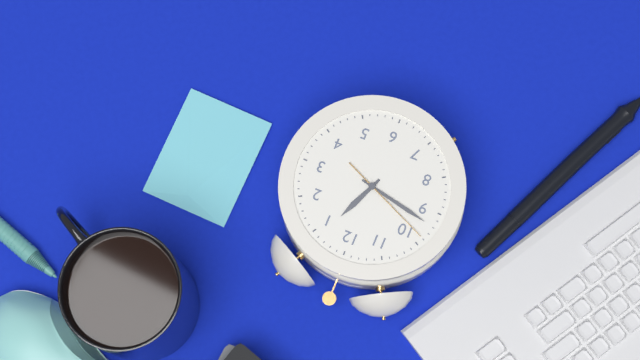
{"hour": 12, "minute": 47, "second": 49}
